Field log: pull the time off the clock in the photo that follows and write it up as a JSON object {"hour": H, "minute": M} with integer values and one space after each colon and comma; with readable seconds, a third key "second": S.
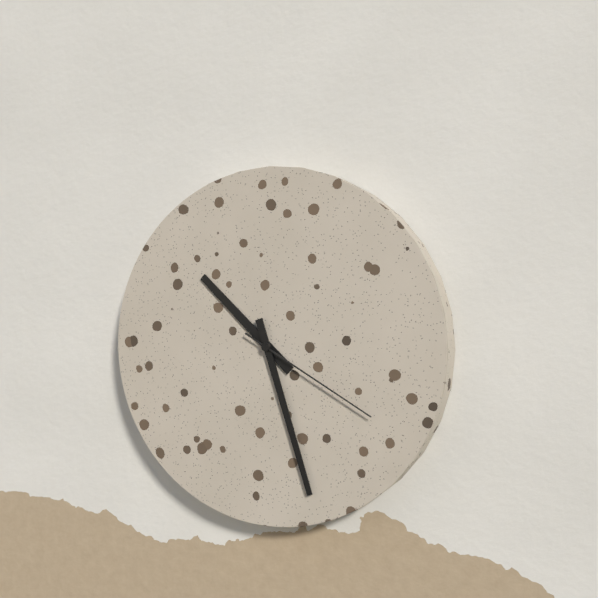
{"hour": 10, "minute": 27, "second": 20}
